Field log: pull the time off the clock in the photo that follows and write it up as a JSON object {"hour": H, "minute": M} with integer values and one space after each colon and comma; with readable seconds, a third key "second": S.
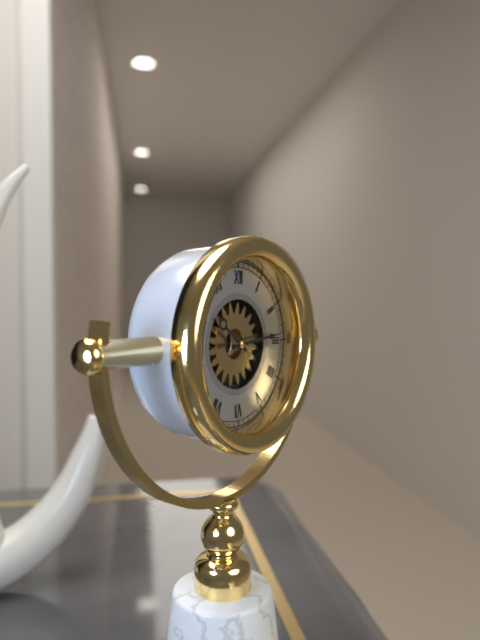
{"hour": 10, "minute": 14}
